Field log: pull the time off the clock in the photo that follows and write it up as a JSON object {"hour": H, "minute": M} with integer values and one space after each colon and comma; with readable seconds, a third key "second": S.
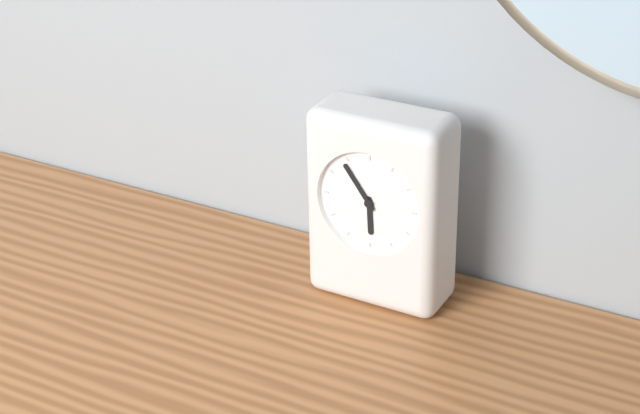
{"hour": 5, "minute": 54}
